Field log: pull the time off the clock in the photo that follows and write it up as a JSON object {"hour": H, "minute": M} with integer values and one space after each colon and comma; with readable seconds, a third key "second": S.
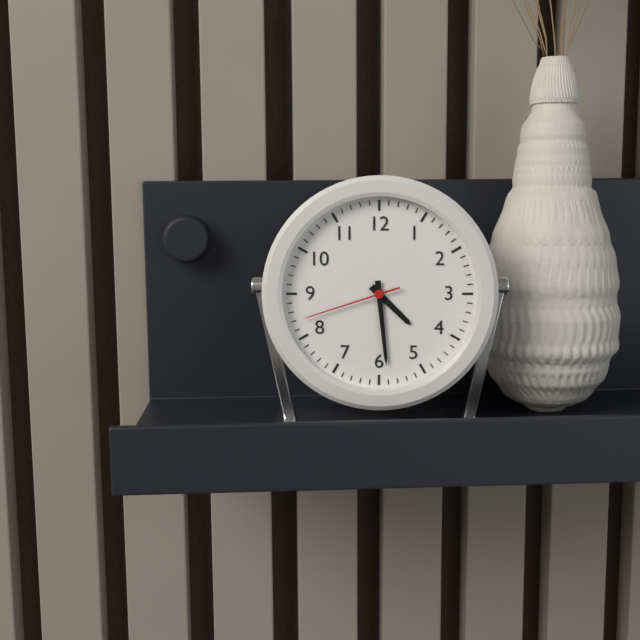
{"hour": 4, "minute": 29, "second": 42}
